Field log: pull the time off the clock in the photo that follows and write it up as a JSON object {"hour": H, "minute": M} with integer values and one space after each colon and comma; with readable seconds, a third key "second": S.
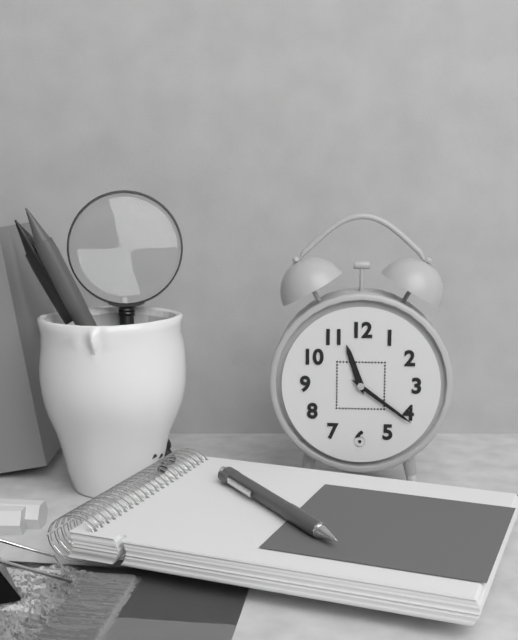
{"hour": 11, "minute": 21}
